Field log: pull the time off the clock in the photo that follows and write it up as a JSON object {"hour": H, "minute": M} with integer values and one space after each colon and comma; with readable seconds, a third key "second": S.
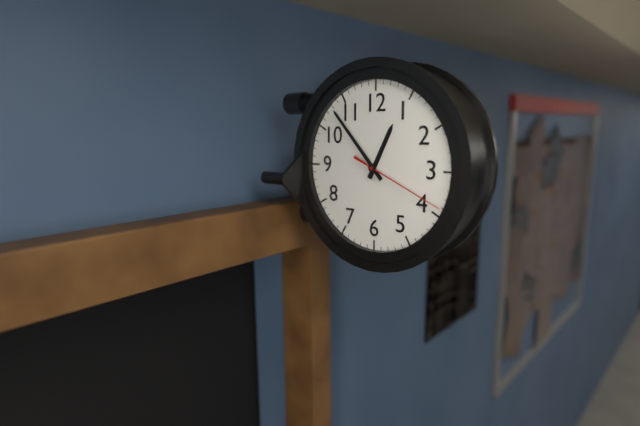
{"hour": 12, "minute": 53, "second": 19}
